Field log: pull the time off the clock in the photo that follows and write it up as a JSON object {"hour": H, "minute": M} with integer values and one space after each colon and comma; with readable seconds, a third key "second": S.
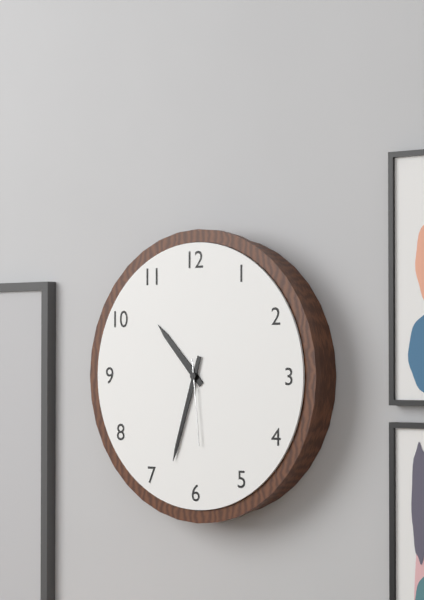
{"hour": 10, "minute": 33, "second": 29}
